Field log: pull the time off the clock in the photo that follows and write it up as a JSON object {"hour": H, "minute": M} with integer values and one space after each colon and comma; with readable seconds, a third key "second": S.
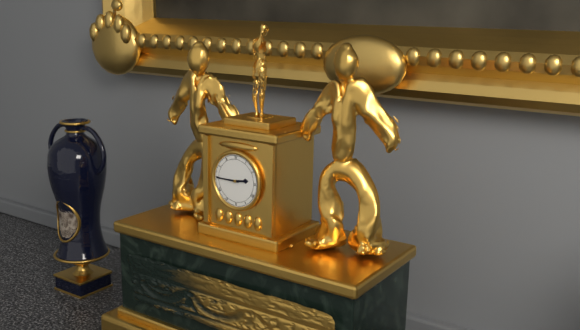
{"hour": 2, "minute": 45}
